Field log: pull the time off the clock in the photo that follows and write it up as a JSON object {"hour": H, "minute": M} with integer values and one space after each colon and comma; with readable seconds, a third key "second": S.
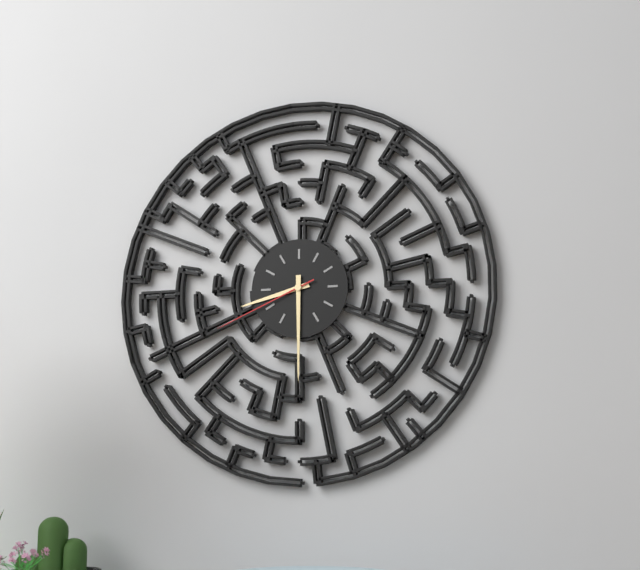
{"hour": 8, "minute": 30, "second": 41}
